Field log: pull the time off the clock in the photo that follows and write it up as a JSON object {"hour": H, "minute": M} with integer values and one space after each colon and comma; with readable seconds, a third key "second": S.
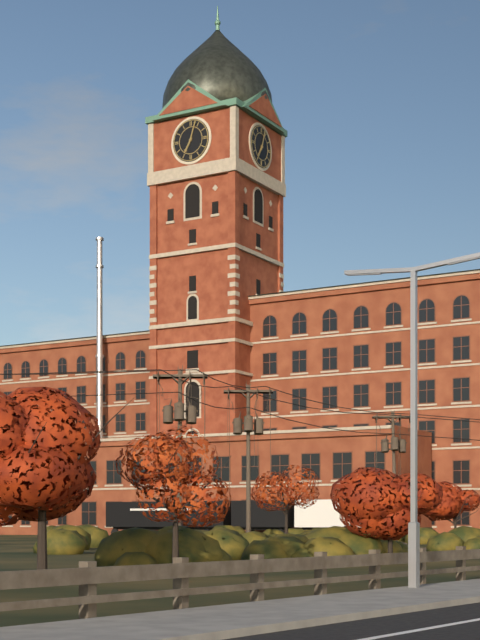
{"hour": 7, "minute": 3}
